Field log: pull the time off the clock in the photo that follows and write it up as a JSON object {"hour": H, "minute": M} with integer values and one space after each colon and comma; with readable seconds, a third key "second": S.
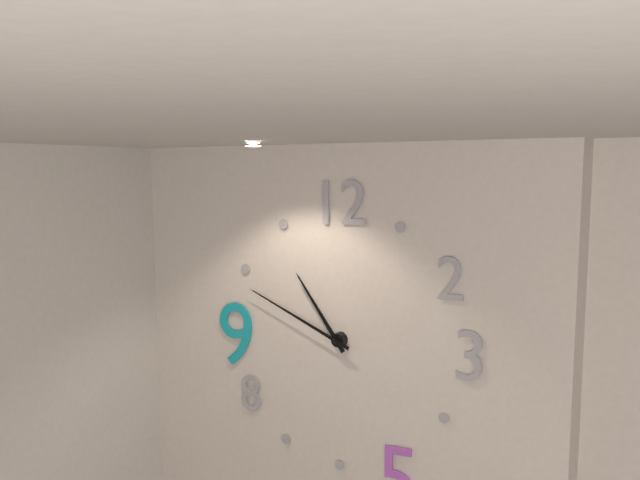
{"hour": 10, "minute": 49}
